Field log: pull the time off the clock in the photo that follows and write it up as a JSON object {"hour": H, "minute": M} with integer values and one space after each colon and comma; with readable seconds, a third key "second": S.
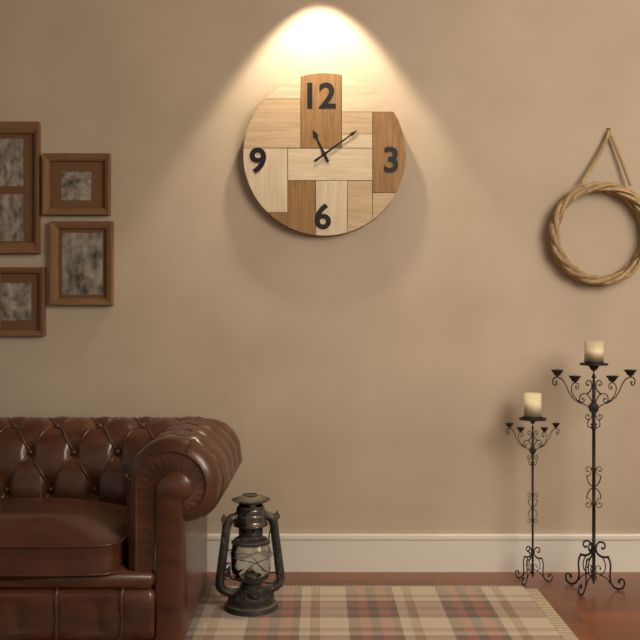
{"hour": 11, "minute": 9}
